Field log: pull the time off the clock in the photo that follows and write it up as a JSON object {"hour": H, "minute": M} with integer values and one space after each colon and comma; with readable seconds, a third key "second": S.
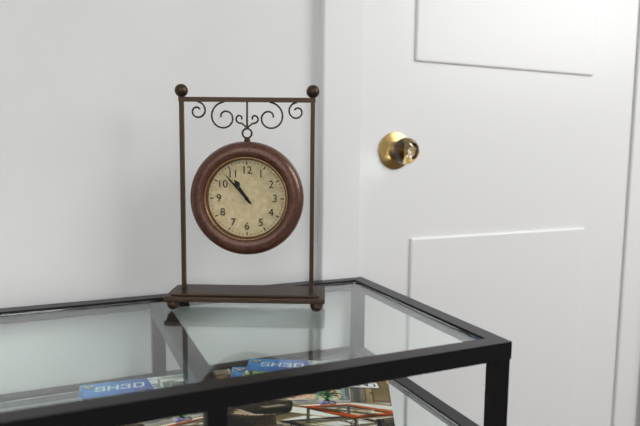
{"hour": 10, "minute": 53}
